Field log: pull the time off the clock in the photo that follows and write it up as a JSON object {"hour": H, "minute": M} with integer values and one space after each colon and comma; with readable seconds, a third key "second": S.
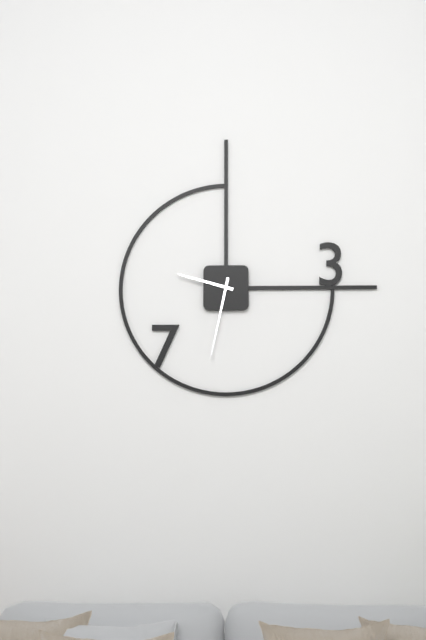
{"hour": 9, "minute": 32}
